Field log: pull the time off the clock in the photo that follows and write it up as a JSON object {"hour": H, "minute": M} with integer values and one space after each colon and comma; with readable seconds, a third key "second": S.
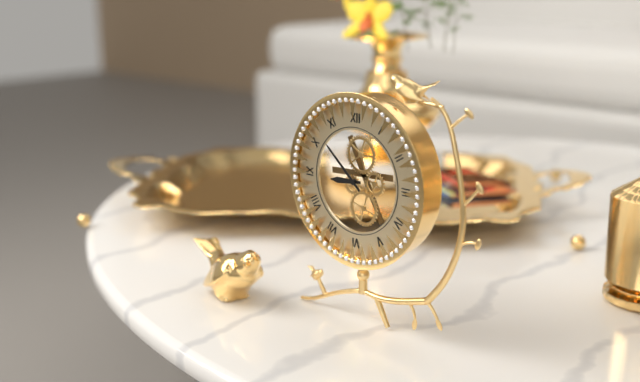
{"hour": 8, "minute": 52}
